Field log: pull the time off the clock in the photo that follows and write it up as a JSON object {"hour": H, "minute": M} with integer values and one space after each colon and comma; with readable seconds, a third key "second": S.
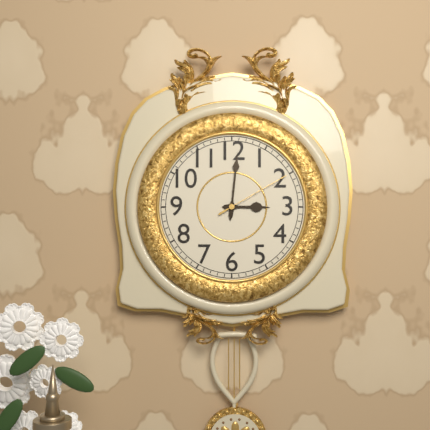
{"hour": 3, "minute": 1, "second": 10}
